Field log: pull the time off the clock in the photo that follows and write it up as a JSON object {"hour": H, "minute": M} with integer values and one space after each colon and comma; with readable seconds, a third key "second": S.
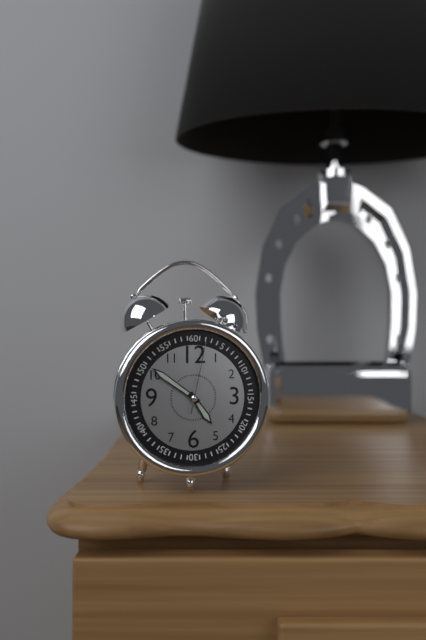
{"hour": 4, "minute": 51, "second": 2}
